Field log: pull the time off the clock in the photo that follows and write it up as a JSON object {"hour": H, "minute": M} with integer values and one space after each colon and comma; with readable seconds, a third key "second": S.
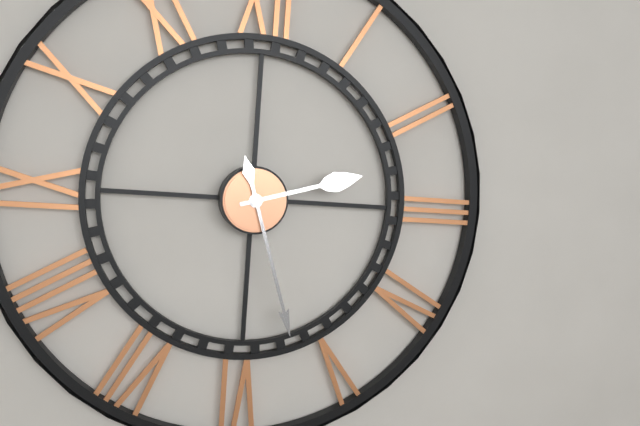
{"hour": 2, "minute": 27}
